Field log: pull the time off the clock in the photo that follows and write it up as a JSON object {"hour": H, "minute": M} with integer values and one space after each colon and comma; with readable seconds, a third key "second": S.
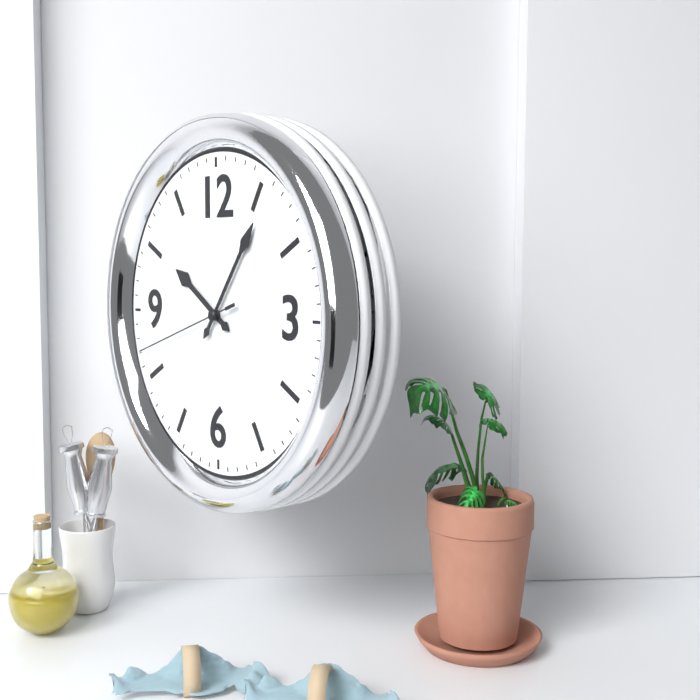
{"hour": 10, "minute": 6, "second": 42}
